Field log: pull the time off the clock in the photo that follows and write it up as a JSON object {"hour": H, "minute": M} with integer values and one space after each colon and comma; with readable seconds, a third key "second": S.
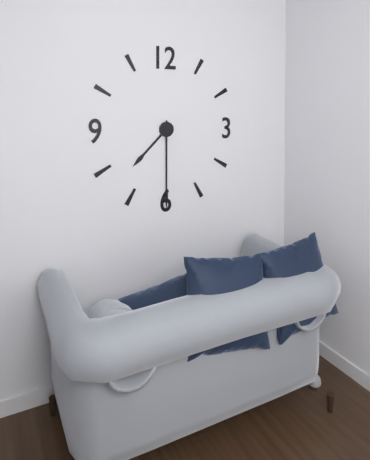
{"hour": 7, "minute": 30}
